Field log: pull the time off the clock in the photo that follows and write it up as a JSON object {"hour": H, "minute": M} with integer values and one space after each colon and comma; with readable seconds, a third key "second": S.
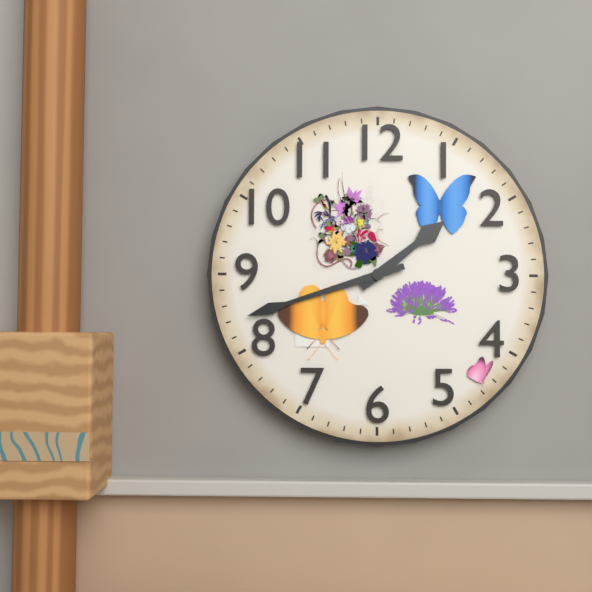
{"hour": 1, "minute": 42}
